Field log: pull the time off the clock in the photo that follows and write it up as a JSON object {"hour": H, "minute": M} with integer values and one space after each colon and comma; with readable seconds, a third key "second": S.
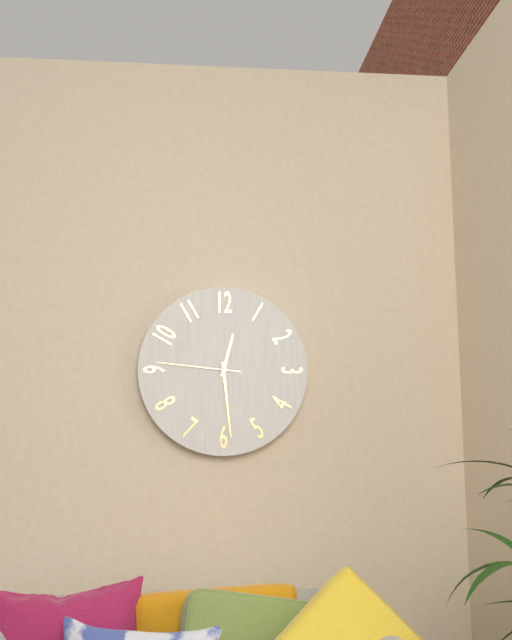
{"hour": 12, "minute": 29, "second": 46}
